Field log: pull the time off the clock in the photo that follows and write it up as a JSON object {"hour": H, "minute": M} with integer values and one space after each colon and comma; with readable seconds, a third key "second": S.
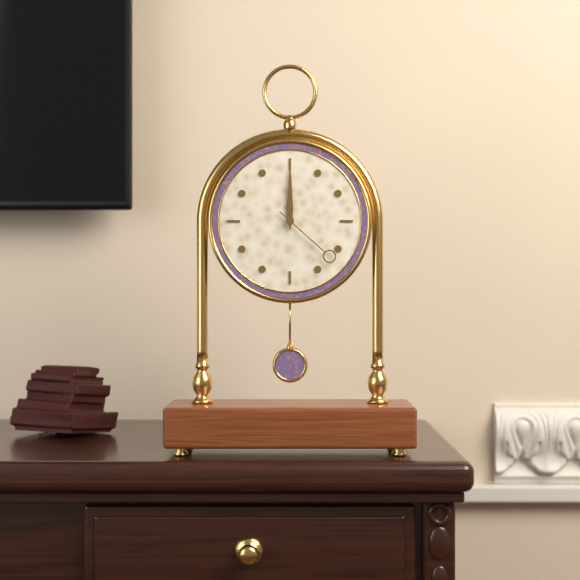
{"hour": 12, "minute": 0, "second": 22}
